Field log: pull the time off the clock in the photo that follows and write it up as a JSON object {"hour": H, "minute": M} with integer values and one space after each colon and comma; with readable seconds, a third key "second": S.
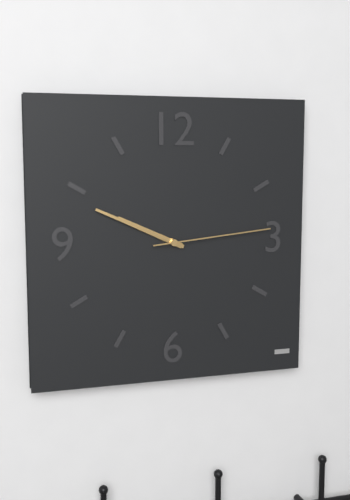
{"hour": 9, "minute": 49, "second": 14}
